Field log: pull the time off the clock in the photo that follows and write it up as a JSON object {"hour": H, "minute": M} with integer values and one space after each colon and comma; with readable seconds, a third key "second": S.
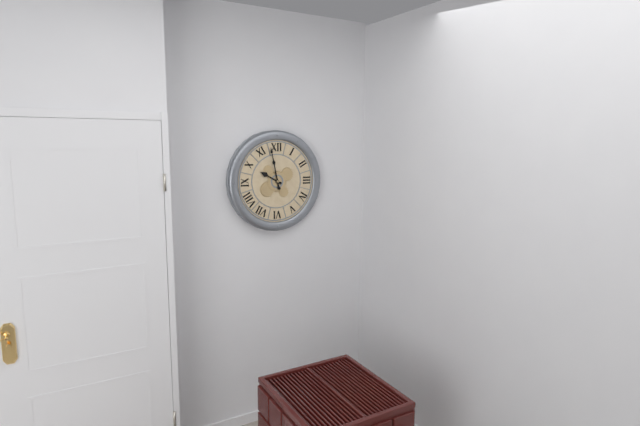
{"hour": 9, "minute": 58}
